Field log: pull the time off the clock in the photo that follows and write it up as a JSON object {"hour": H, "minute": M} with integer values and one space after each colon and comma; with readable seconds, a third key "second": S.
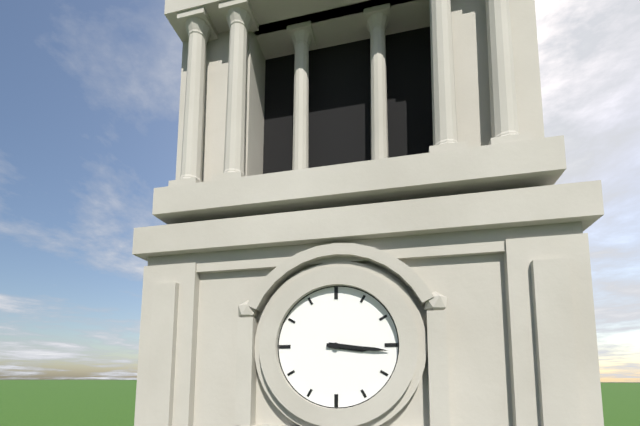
{"hour": 3, "minute": 16}
